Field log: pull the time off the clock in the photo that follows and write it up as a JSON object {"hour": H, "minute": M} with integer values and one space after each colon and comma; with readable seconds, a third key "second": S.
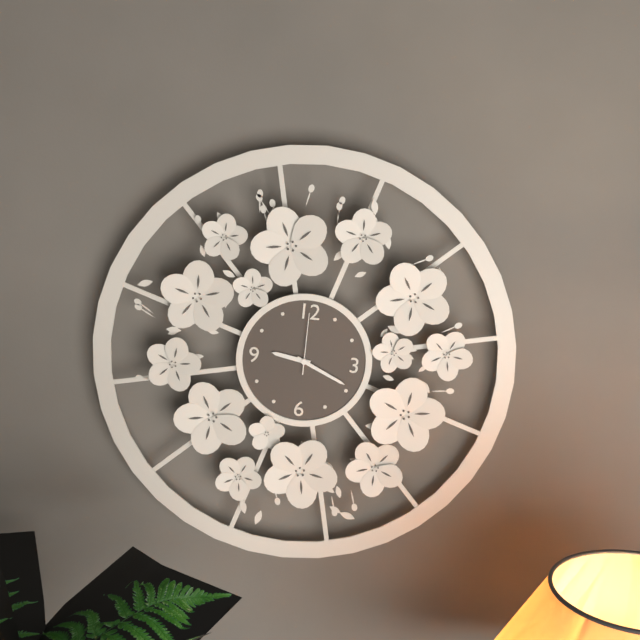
{"hour": 9, "minute": 19, "second": 0}
